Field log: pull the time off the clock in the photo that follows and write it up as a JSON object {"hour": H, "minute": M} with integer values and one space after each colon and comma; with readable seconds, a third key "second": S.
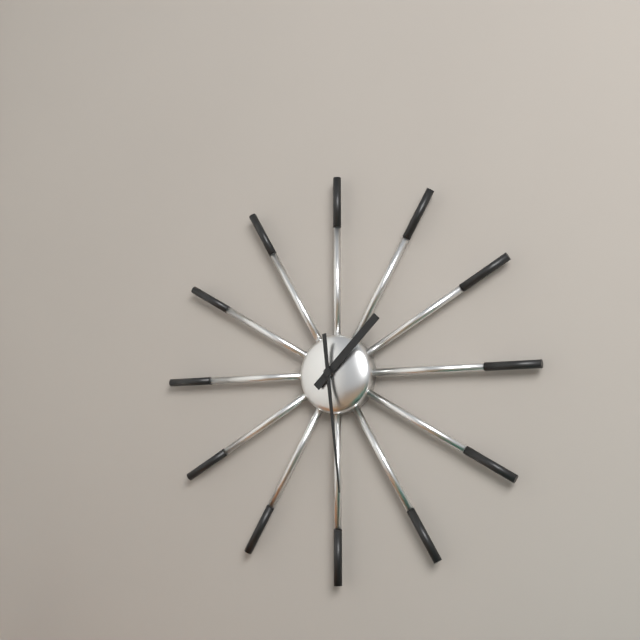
{"hour": 1, "minute": 29}
